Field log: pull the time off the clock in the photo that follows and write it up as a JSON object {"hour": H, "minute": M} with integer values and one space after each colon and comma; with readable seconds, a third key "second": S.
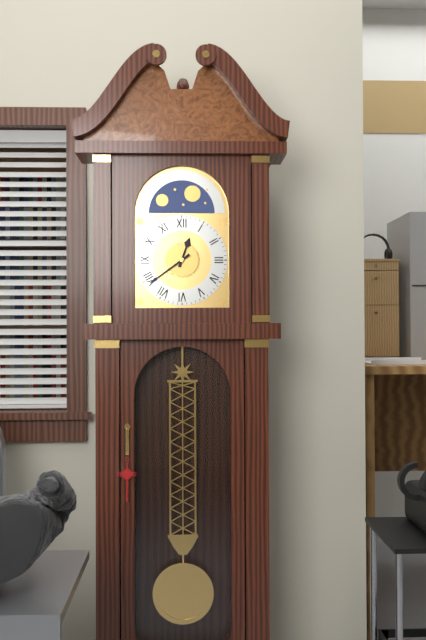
{"hour": 12, "minute": 39}
